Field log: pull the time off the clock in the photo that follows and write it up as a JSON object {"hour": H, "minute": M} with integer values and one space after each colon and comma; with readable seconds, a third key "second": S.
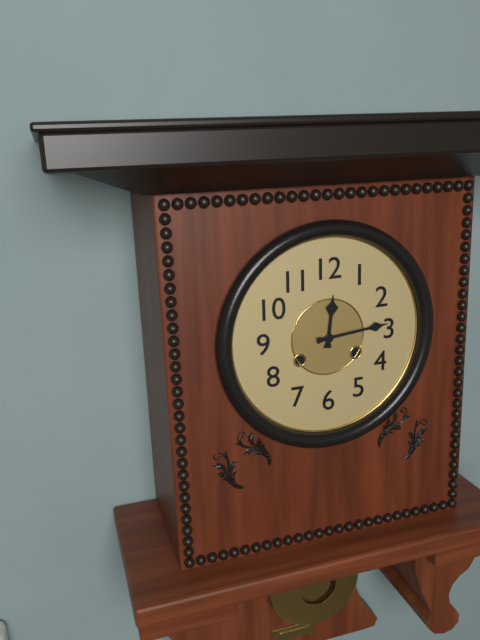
{"hour": 12, "minute": 14}
